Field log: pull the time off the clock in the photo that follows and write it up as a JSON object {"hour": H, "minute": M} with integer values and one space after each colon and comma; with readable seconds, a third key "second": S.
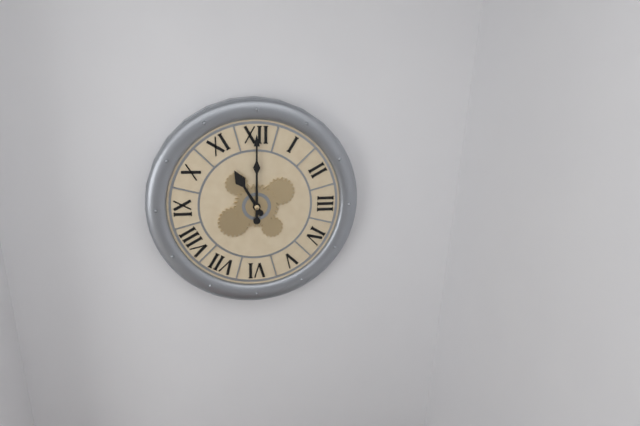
{"hour": 11, "minute": 0}
